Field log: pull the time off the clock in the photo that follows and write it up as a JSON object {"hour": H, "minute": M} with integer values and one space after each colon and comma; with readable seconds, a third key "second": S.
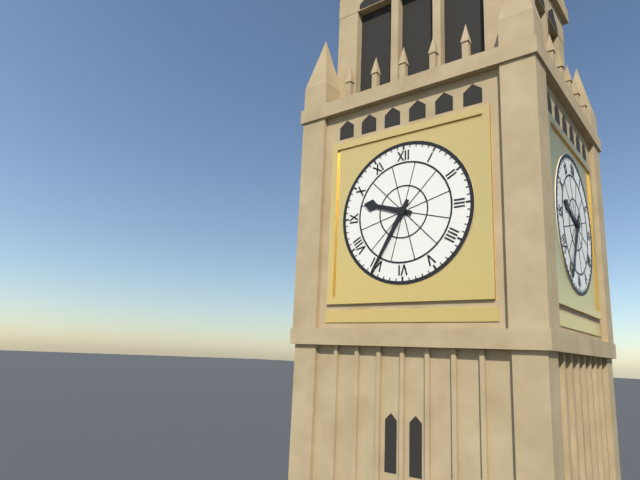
{"hour": 9, "minute": 35}
